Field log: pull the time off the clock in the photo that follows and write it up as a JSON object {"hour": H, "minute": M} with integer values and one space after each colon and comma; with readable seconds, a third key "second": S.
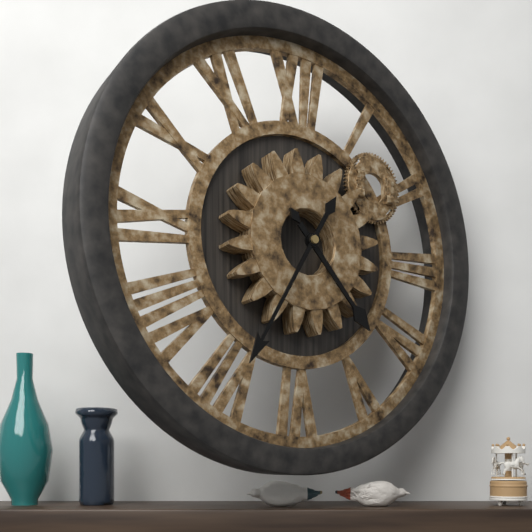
{"hour": 4, "minute": 35}
